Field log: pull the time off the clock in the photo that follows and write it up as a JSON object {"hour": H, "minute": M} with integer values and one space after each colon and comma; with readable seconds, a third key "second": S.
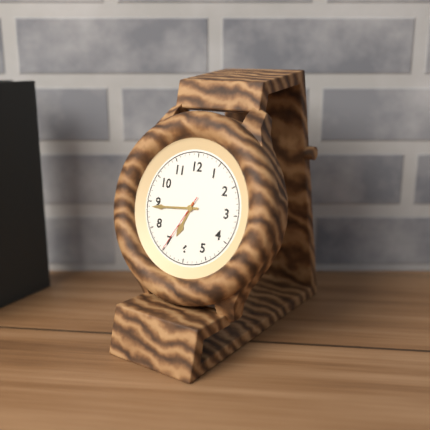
{"hour": 6, "minute": 44, "second": 35}
